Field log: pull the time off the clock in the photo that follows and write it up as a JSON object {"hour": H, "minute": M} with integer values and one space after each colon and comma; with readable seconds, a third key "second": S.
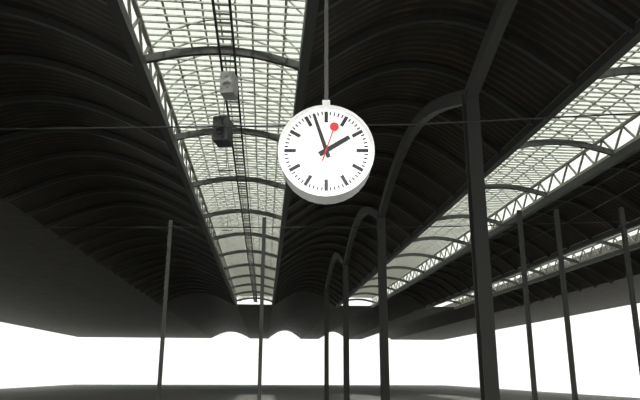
{"hour": 1, "minute": 57}
